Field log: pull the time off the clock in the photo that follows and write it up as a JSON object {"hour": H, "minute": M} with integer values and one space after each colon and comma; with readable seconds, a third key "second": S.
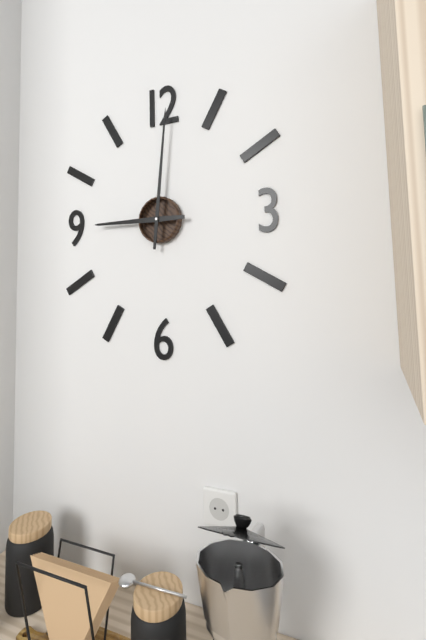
{"hour": 9, "minute": 1}
